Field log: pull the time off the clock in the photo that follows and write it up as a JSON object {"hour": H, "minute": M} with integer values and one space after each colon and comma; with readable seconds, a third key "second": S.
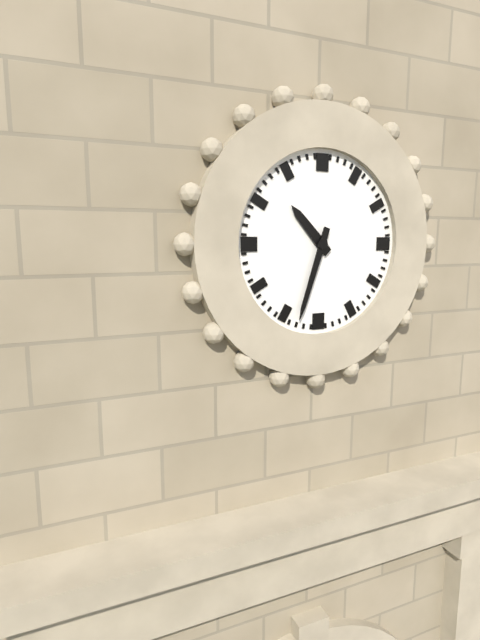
{"hour": 10, "minute": 33}
